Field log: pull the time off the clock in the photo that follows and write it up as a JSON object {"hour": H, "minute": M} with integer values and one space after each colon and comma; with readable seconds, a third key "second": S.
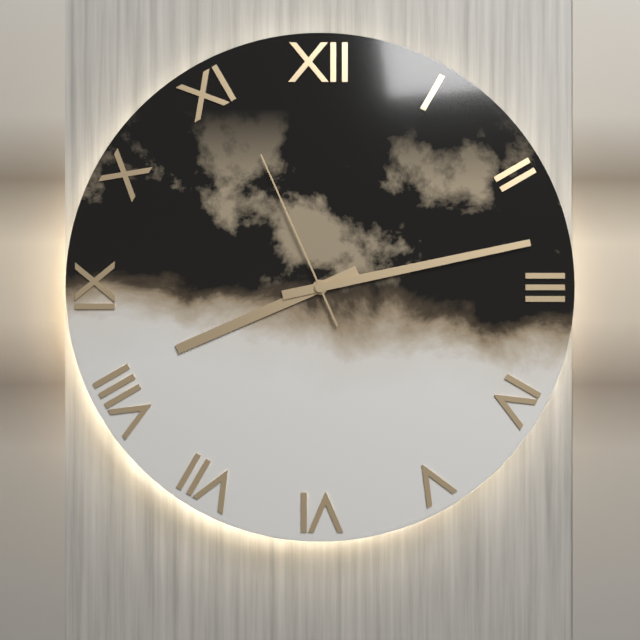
{"hour": 8, "minute": 13, "second": 56}
